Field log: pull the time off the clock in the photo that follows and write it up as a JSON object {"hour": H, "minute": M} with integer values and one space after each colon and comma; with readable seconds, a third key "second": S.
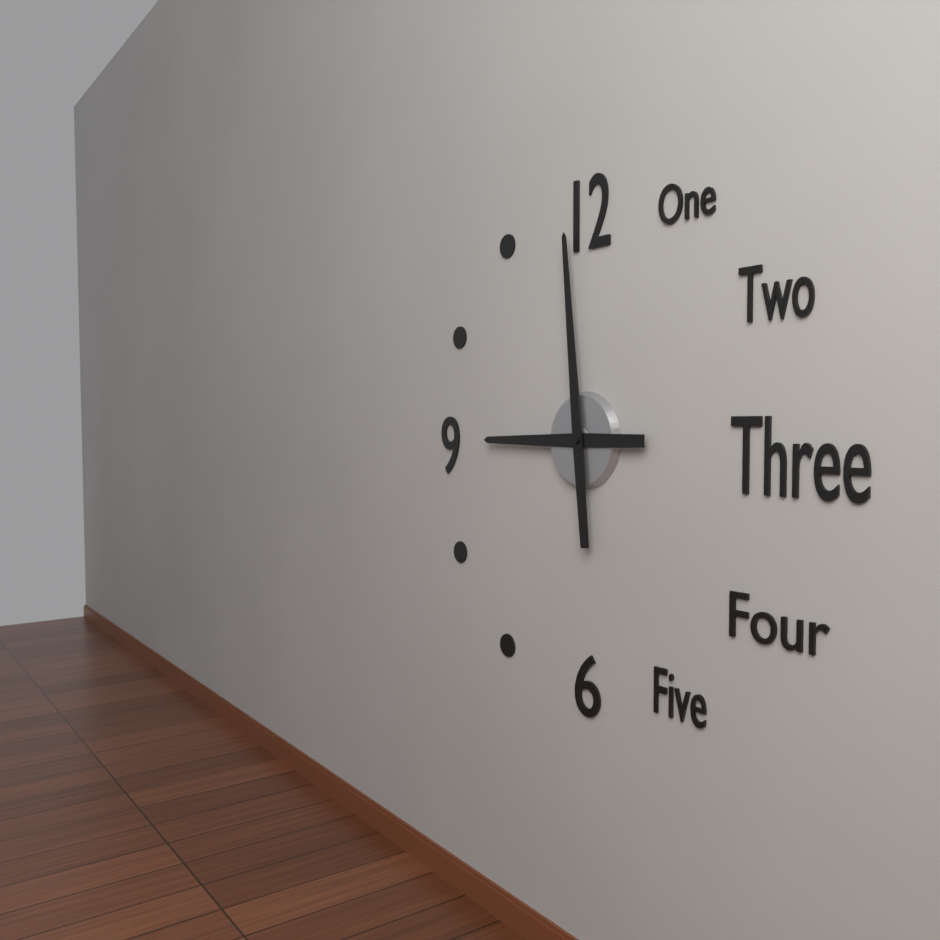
{"hour": 8, "minute": 59}
